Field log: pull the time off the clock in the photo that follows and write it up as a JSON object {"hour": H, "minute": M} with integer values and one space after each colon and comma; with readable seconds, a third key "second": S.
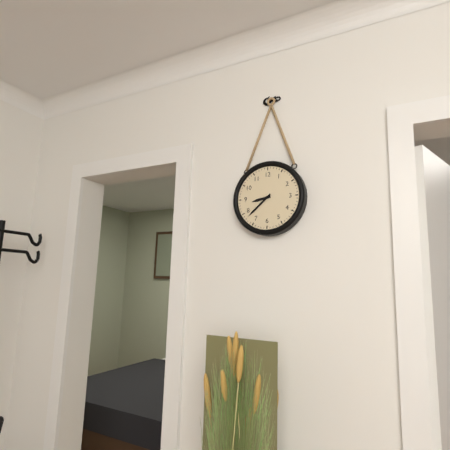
{"hour": 8, "minute": 38}
